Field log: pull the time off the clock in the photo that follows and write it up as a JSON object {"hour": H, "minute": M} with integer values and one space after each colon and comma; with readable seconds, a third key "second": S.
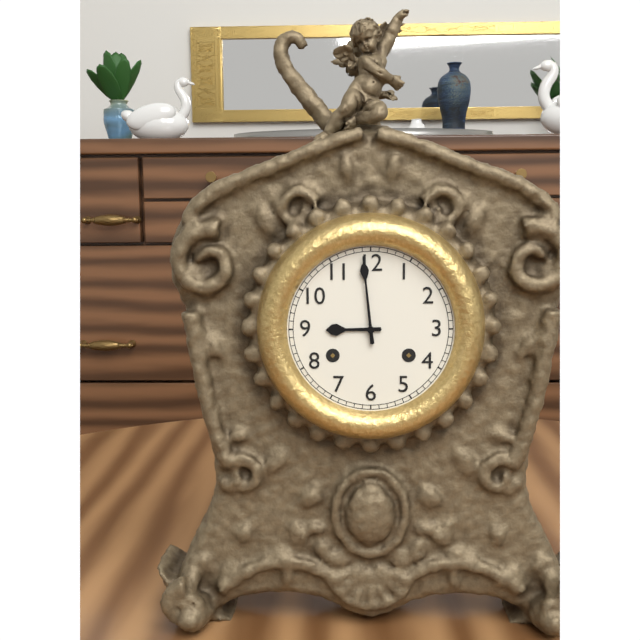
{"hour": 8, "minute": 59}
